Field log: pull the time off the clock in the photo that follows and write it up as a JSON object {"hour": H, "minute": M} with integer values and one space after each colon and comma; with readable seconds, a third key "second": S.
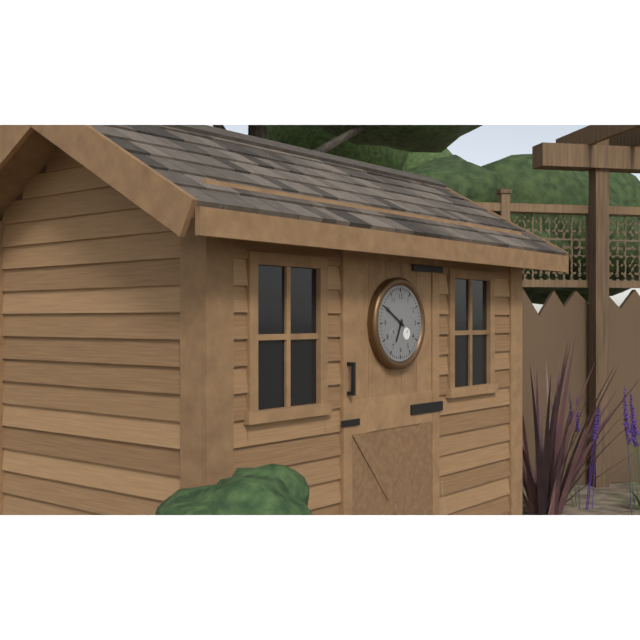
{"hour": 6, "minute": 50}
